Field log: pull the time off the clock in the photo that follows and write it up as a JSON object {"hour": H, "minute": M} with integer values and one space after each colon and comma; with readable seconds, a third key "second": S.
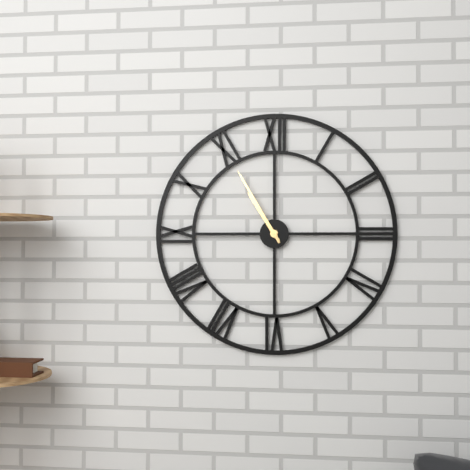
{"hour": 10, "minute": 55}
